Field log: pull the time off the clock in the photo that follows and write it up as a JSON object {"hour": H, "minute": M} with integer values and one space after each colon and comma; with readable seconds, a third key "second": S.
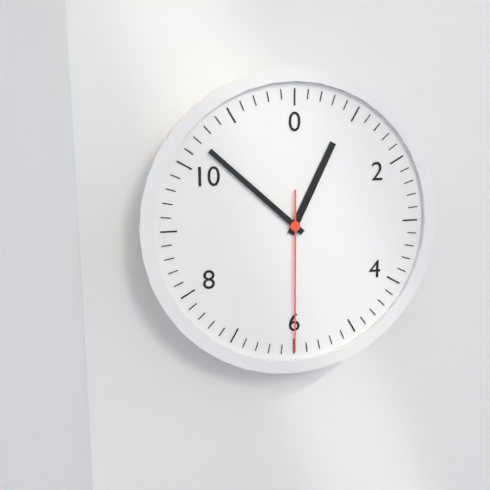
{"hour": 12, "minute": 52, "second": 30}
